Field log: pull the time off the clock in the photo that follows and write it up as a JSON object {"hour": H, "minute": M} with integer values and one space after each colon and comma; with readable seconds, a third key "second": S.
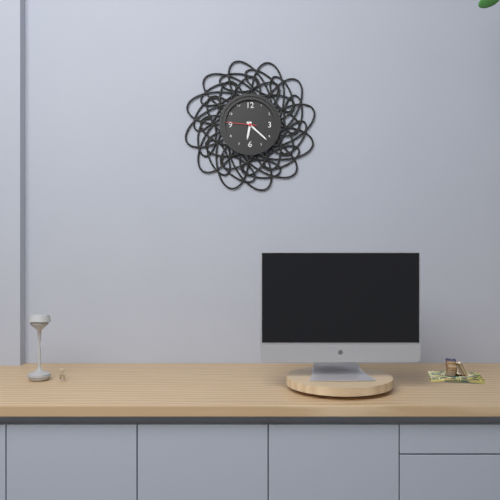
{"hour": 6, "minute": 22}
